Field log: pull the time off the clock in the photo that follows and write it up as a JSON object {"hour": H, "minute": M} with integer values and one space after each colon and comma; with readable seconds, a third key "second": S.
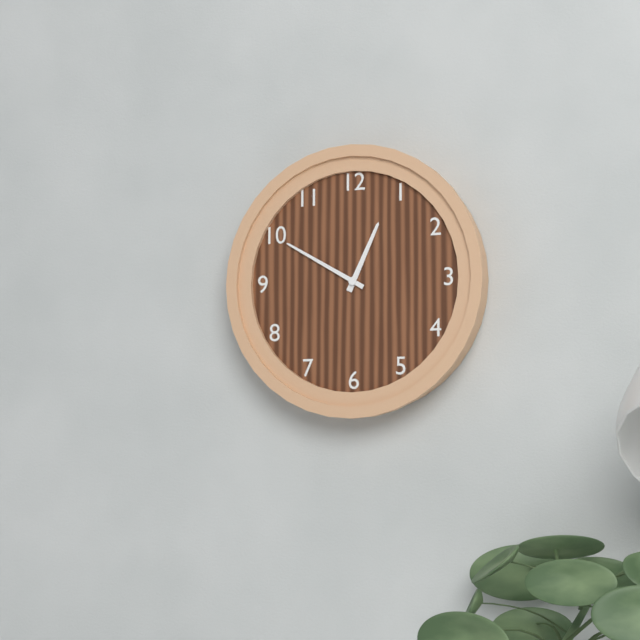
{"hour": 12, "minute": 50}
